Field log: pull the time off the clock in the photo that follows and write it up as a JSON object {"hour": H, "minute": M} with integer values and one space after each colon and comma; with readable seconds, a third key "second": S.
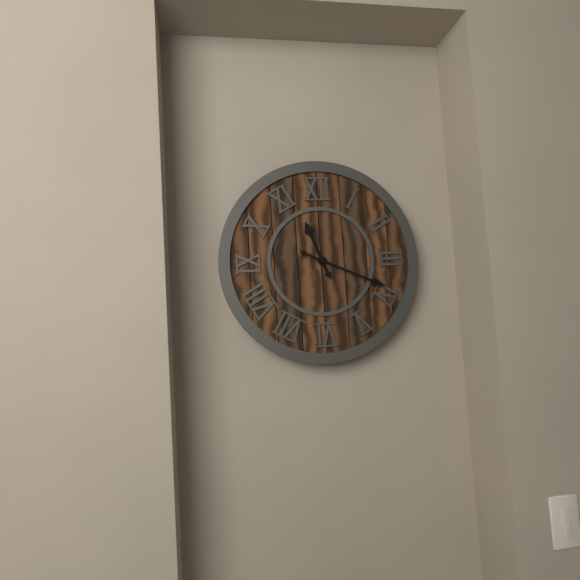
{"hour": 11, "minute": 19}
